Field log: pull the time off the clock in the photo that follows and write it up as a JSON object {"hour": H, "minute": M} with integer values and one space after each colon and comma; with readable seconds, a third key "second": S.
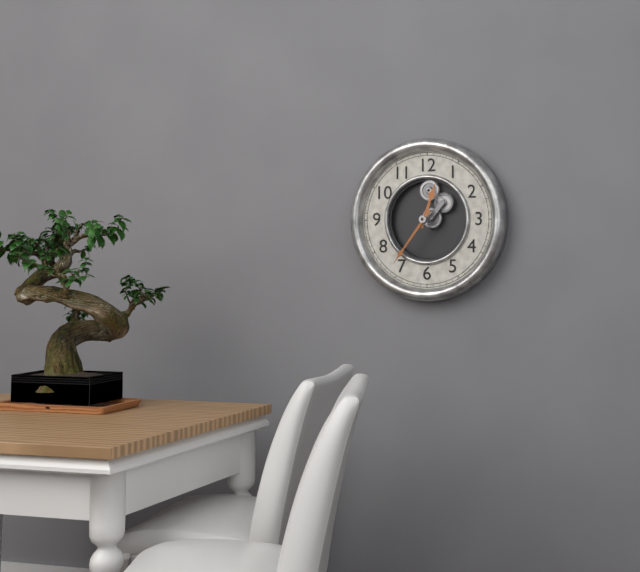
{"hour": 12, "minute": 36}
